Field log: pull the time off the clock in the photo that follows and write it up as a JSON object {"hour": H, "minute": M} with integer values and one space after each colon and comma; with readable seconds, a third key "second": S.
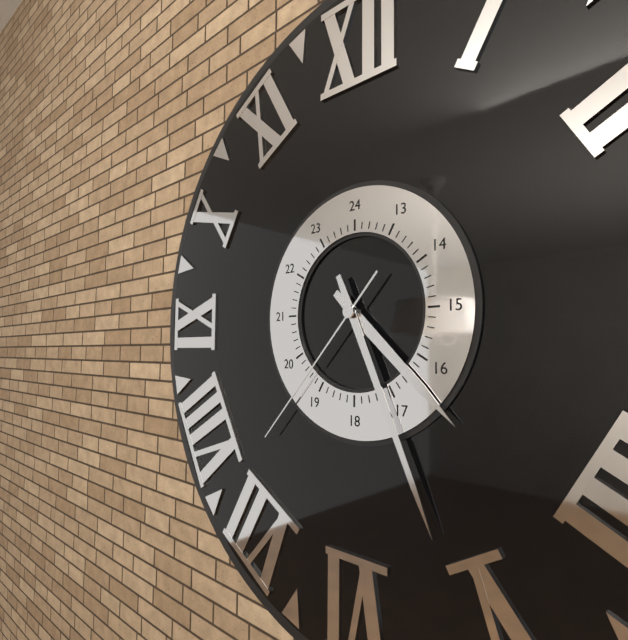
{"hour": 4, "minute": 26, "second": 37}
